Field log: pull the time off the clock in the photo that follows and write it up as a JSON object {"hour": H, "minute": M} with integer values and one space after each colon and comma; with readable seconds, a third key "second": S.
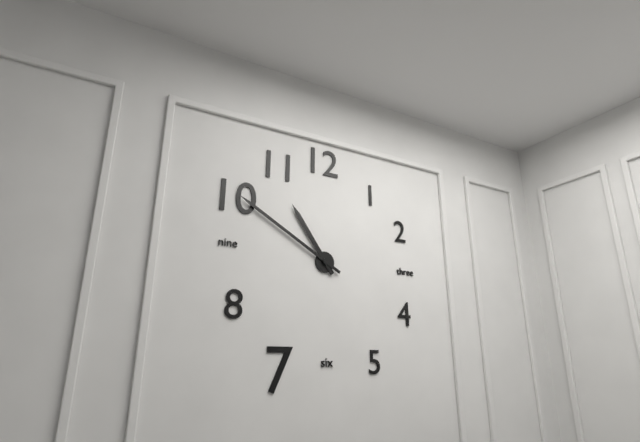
{"hour": 10, "minute": 50}
